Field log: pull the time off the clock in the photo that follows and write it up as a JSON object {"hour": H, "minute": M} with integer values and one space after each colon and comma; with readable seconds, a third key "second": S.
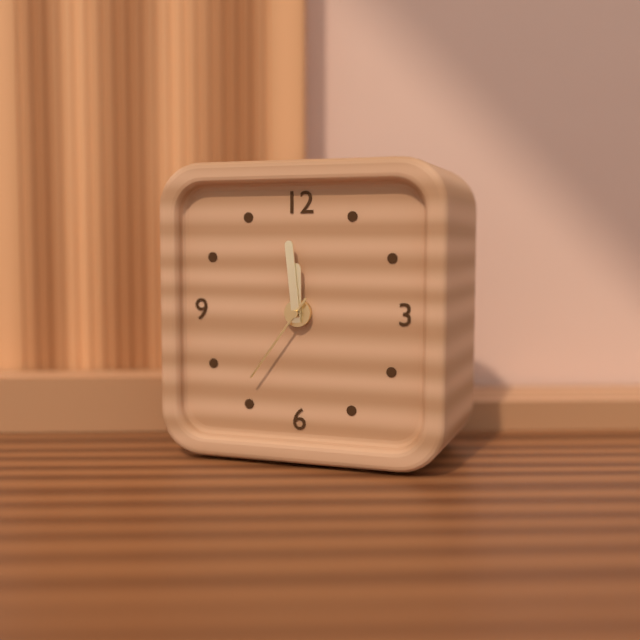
{"hour": 11, "minute": 59, "second": 36}
